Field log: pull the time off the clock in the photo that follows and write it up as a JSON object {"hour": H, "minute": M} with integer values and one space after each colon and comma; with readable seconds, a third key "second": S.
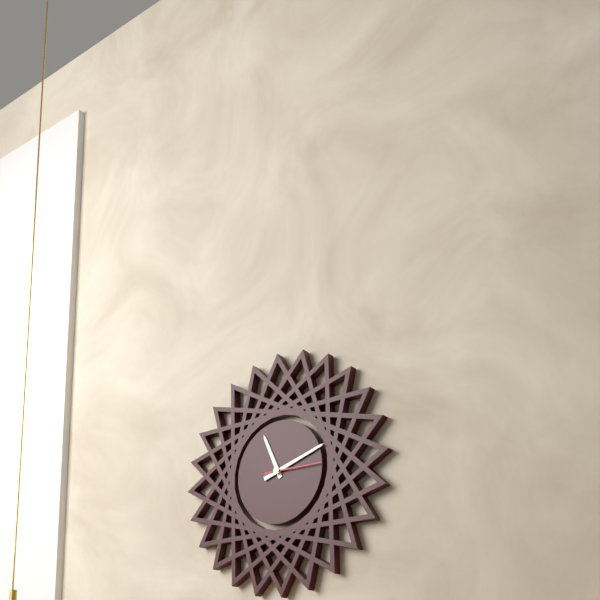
{"hour": 11, "minute": 12, "second": 15}
